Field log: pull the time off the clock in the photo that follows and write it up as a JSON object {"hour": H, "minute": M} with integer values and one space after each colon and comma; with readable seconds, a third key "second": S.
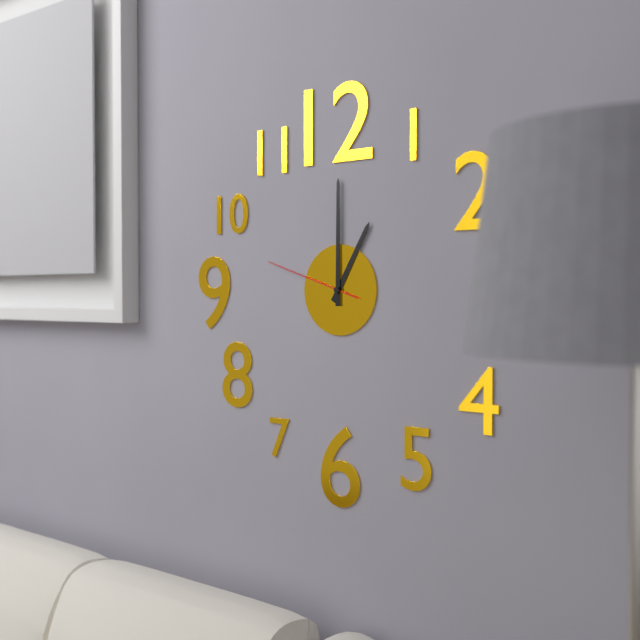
{"hour": 1, "minute": 0, "second": 48}
